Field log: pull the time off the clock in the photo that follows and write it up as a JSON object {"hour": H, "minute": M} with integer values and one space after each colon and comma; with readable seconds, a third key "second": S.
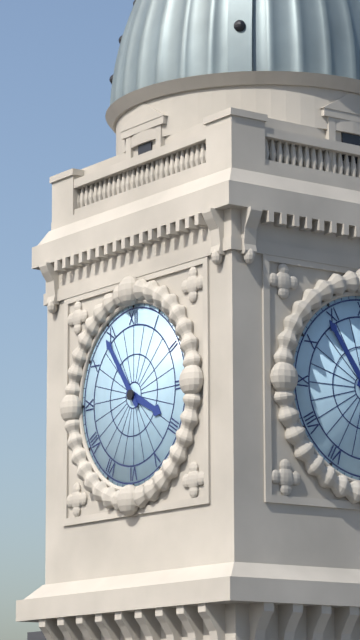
{"hour": 3, "minute": 54}
